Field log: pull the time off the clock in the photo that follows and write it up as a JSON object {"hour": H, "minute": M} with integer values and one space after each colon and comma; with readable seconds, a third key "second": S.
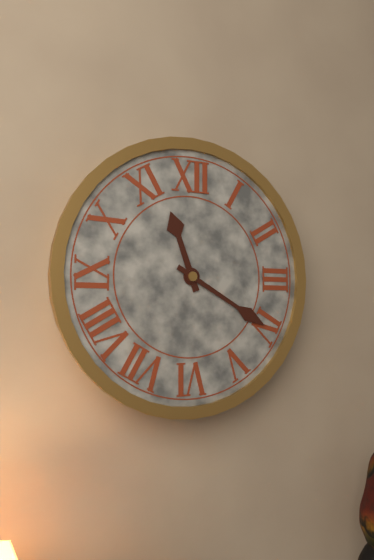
{"hour": 11, "minute": 20}
